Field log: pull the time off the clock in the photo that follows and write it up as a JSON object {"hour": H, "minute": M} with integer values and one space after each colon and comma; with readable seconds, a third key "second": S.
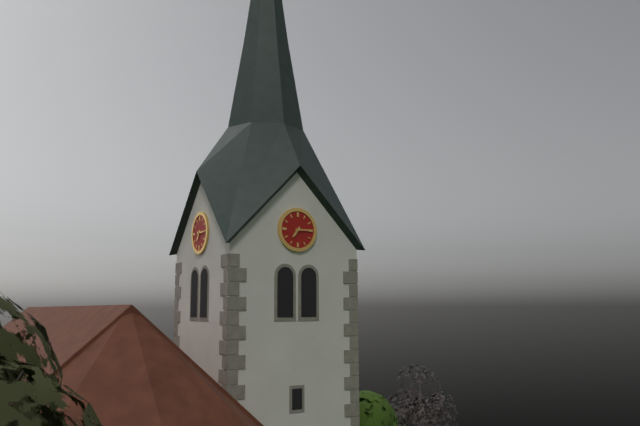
{"hour": 7, "minute": 15}
